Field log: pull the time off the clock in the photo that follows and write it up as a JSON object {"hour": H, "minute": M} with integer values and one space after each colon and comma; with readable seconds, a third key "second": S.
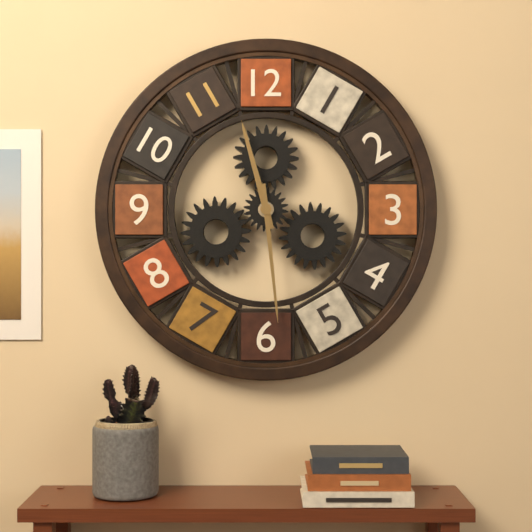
{"hour": 11, "minute": 29}
